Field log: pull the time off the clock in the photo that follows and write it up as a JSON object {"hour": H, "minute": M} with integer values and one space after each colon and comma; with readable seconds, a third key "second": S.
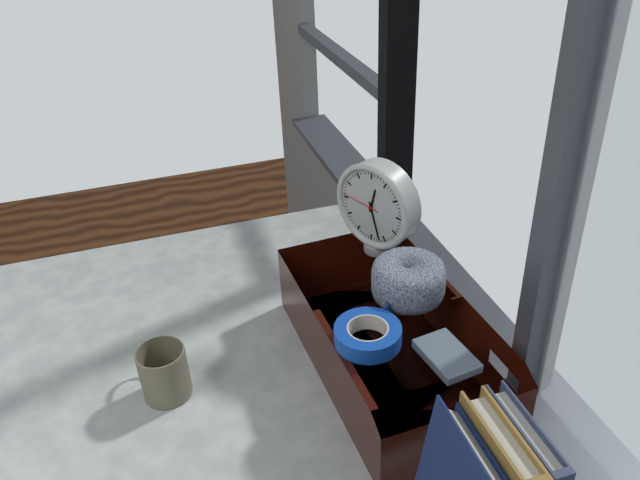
{"hour": 12, "minute": 27}
